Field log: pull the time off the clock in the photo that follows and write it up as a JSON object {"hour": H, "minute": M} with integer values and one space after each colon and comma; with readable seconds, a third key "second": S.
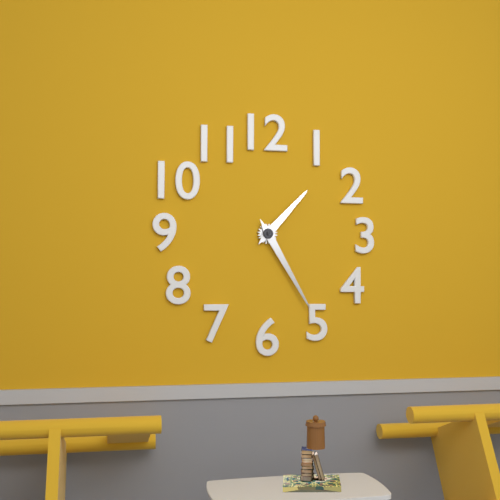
{"hour": 1, "minute": 25}
